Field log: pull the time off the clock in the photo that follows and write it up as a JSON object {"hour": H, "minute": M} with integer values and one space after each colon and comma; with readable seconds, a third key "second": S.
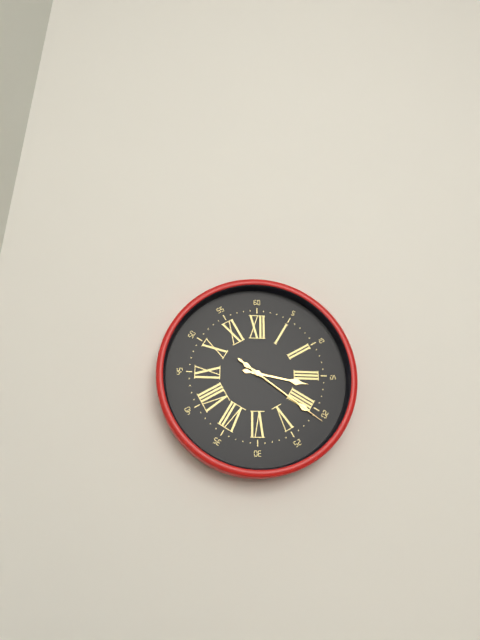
{"hour": 3, "minute": 21, "second": 21}
